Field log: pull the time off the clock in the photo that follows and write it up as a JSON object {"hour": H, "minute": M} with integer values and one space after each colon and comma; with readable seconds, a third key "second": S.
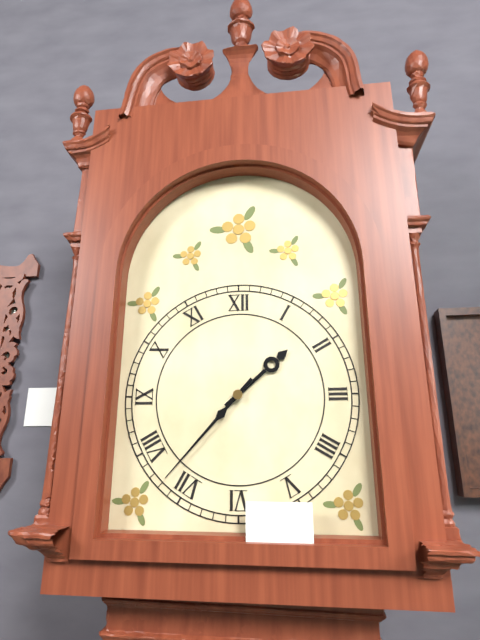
{"hour": 1, "minute": 37}
